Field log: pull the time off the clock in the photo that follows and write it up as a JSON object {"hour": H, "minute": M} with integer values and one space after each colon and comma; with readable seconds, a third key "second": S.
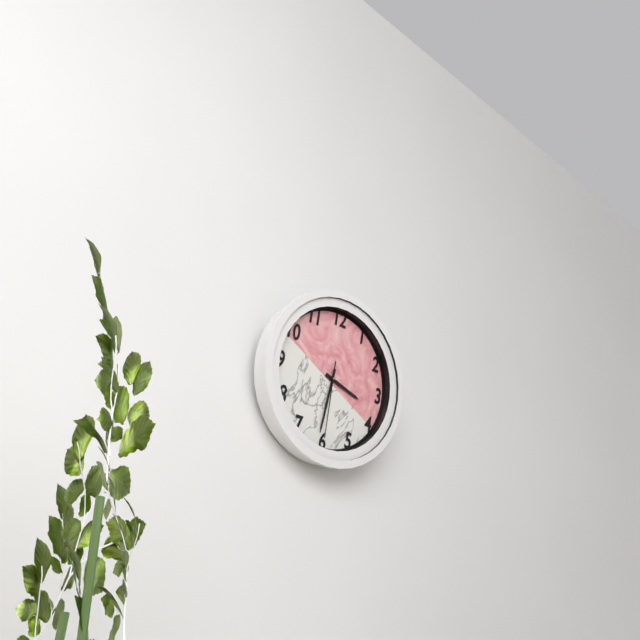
{"hour": 3, "minute": 31, "second": 30}
